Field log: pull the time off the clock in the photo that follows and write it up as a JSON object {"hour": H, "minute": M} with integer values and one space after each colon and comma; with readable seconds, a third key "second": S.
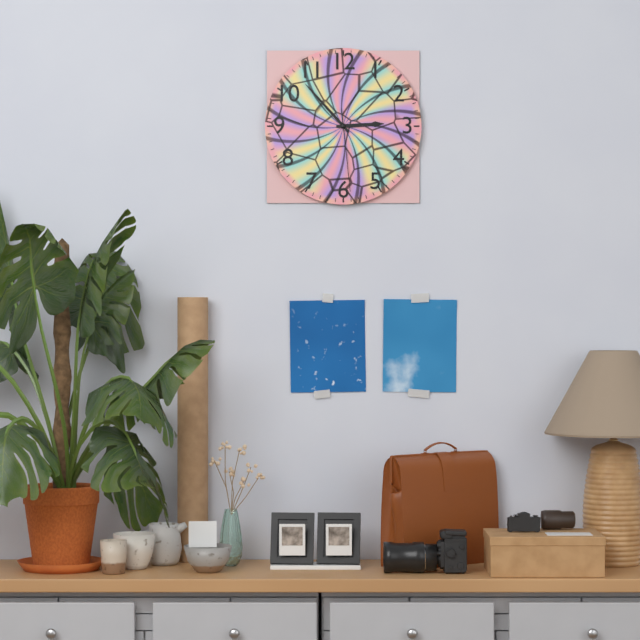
{"hour": 2, "minute": 53, "second": 29}
